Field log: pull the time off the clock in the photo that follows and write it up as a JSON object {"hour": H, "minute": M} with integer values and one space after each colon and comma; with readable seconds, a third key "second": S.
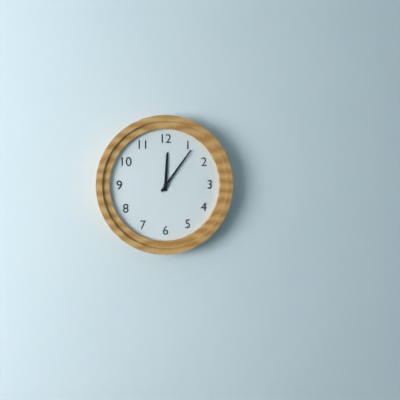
{"hour": 12, "minute": 6}
